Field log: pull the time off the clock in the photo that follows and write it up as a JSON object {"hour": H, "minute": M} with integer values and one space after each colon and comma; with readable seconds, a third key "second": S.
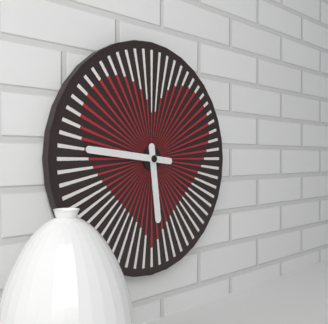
{"hour": 5, "minute": 46}
